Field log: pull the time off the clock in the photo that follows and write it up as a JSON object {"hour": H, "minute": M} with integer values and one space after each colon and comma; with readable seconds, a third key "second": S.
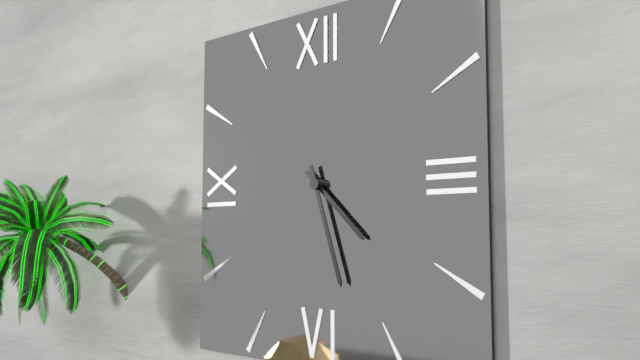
{"hour": 4, "minute": 27}
